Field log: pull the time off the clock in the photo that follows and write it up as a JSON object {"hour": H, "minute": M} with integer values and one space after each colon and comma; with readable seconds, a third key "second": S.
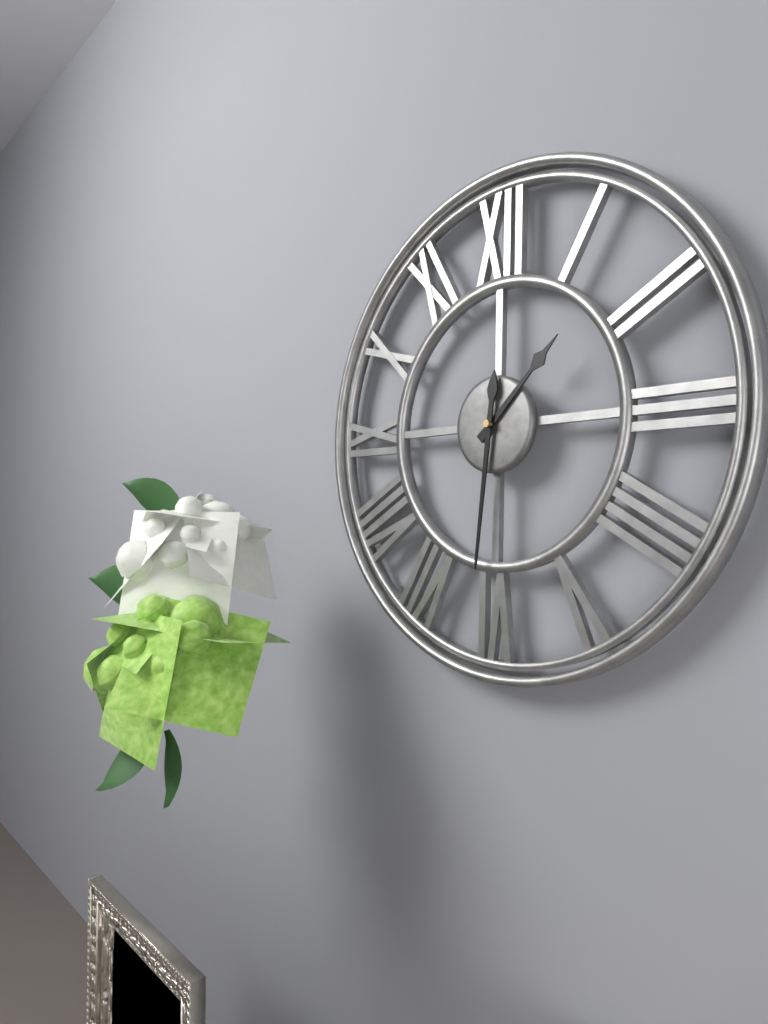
{"hour": 1, "minute": 31}
